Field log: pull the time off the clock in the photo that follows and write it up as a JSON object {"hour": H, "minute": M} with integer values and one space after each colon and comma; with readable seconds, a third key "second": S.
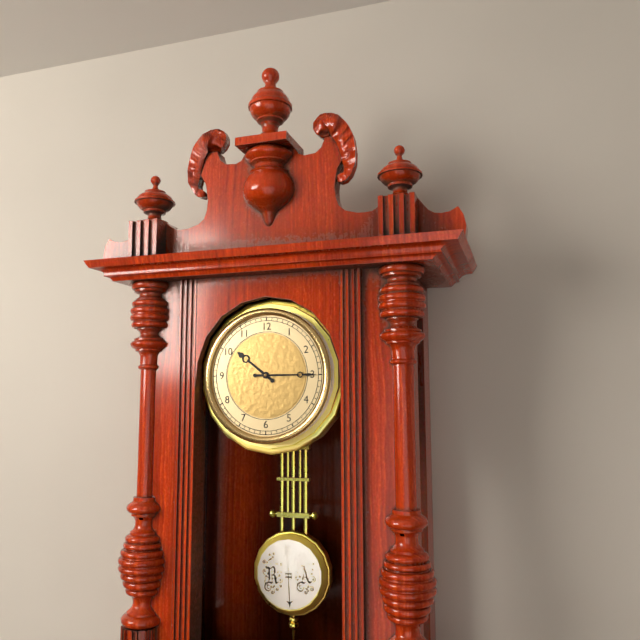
{"hour": 10, "minute": 15}
